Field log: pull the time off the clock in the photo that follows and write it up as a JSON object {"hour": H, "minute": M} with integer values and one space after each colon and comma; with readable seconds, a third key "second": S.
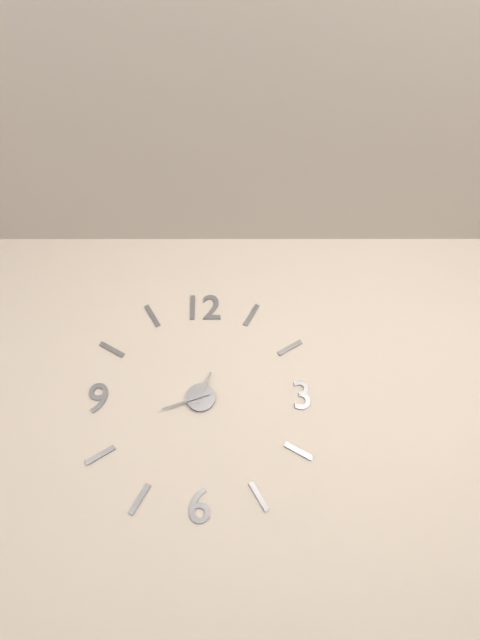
{"hour": 12, "minute": 42}
